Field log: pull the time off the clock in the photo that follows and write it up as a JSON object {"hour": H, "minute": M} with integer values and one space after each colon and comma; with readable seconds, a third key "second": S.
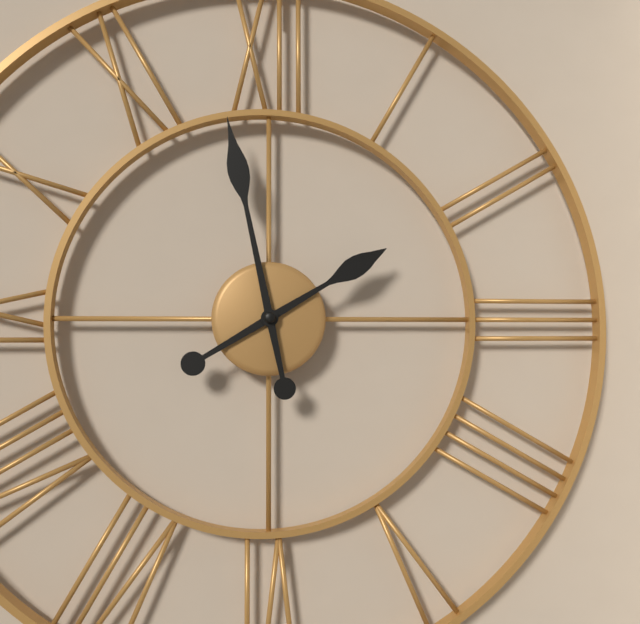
{"hour": 1, "minute": 58}
